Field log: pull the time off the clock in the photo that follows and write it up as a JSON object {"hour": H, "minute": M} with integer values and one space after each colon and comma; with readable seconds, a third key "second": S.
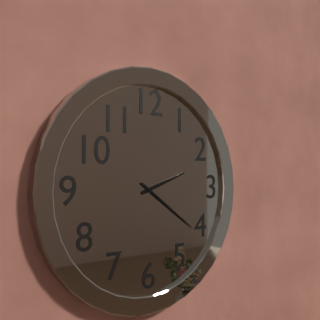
{"hour": 2, "minute": 21}
